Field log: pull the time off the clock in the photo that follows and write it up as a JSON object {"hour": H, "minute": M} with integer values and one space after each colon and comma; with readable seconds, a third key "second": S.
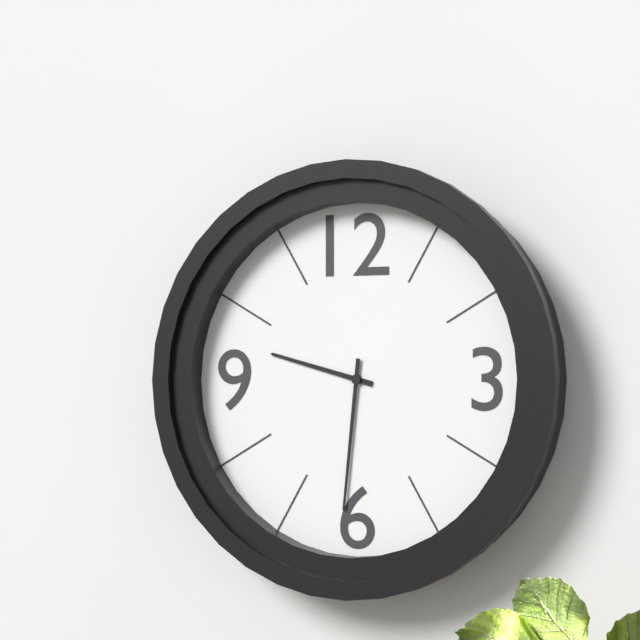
{"hour": 9, "minute": 31}
